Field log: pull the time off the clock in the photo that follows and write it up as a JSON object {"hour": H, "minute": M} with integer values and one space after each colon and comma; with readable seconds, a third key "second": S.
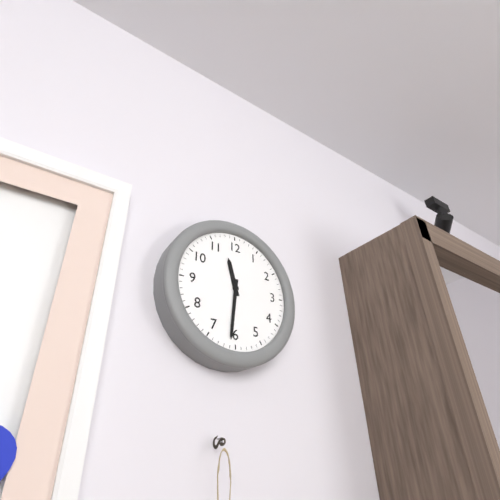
{"hour": 11, "minute": 31}
